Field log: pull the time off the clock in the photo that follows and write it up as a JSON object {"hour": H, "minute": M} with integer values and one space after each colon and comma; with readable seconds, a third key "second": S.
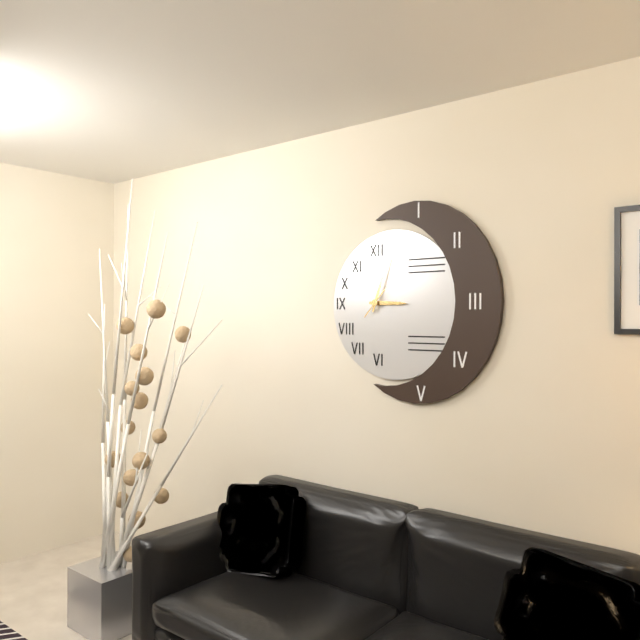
{"hour": 3, "minute": 3, "second": 7}
